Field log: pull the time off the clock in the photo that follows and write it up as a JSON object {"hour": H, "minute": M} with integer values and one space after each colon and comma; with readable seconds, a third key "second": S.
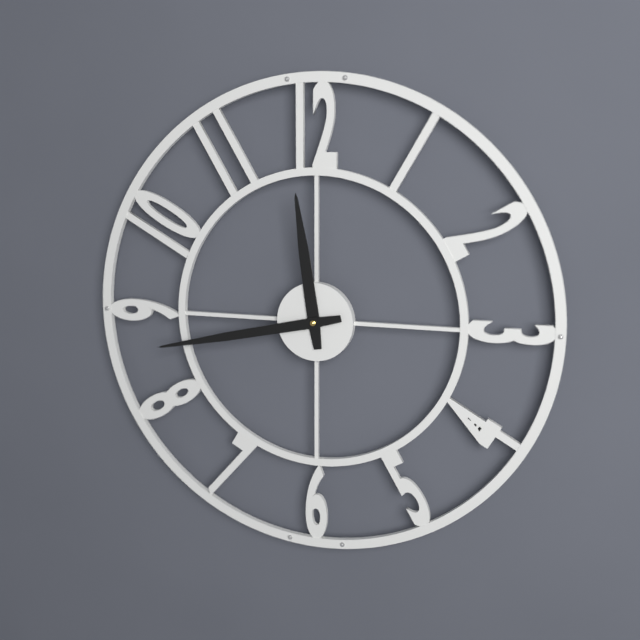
{"hour": 11, "minute": 43}
